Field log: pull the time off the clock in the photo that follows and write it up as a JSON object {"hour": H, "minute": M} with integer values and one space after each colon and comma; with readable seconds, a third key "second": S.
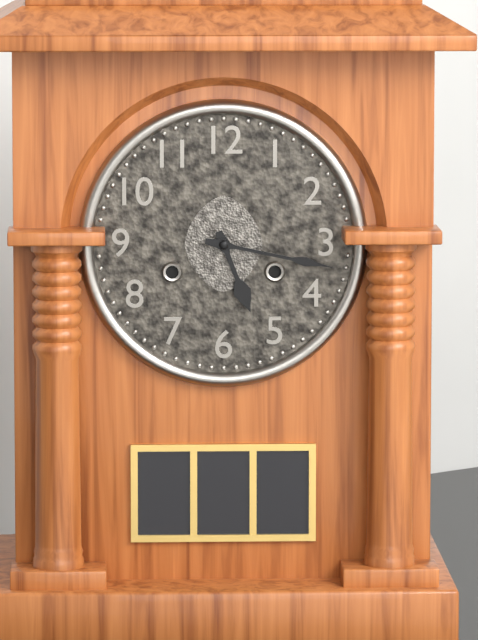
{"hour": 5, "minute": 17}
